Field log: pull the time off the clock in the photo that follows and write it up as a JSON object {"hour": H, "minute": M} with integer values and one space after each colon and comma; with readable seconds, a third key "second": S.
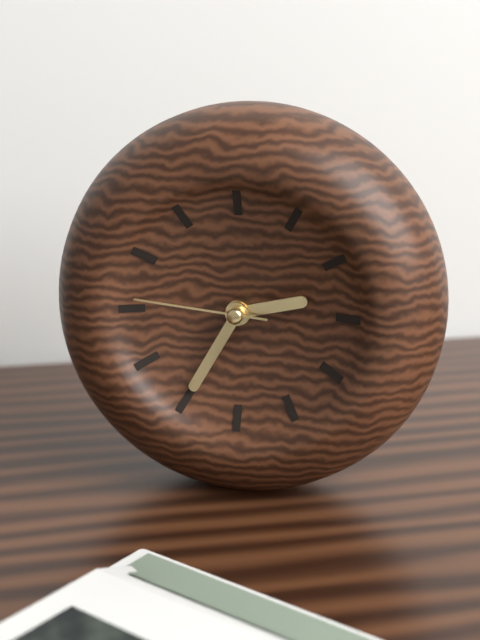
{"hour": 2, "minute": 35, "second": 46}
